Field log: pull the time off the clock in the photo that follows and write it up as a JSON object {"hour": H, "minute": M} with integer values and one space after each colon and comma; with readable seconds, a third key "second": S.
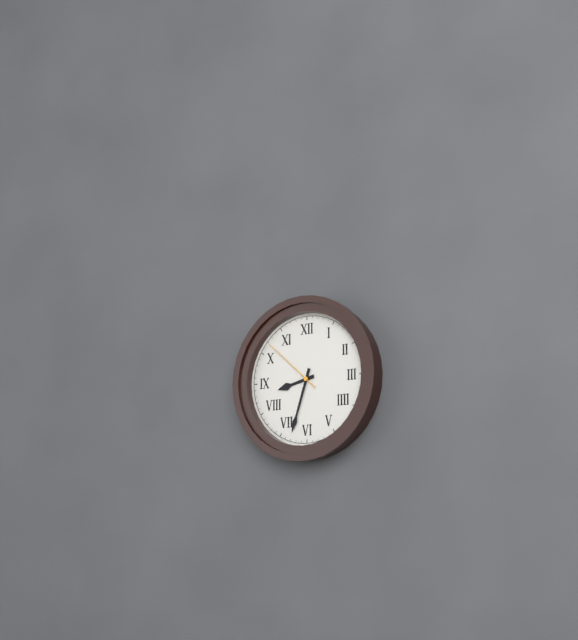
{"hour": 8, "minute": 33, "second": 52}
